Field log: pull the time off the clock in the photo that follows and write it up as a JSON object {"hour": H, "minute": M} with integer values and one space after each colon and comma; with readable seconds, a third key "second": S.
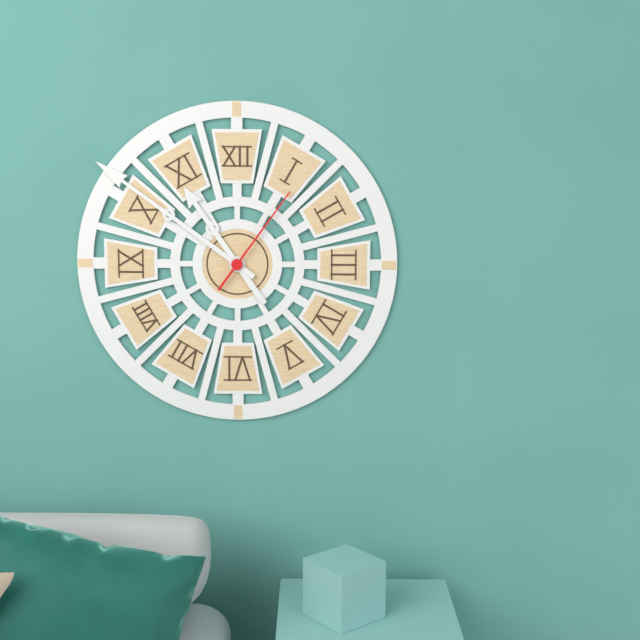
{"hour": 10, "minute": 51, "second": 6}
